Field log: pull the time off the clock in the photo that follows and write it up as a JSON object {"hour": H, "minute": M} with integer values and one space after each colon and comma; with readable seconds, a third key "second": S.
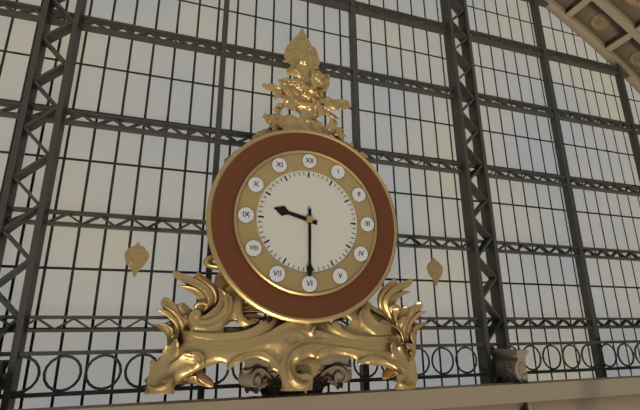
{"hour": 9, "minute": 30}
